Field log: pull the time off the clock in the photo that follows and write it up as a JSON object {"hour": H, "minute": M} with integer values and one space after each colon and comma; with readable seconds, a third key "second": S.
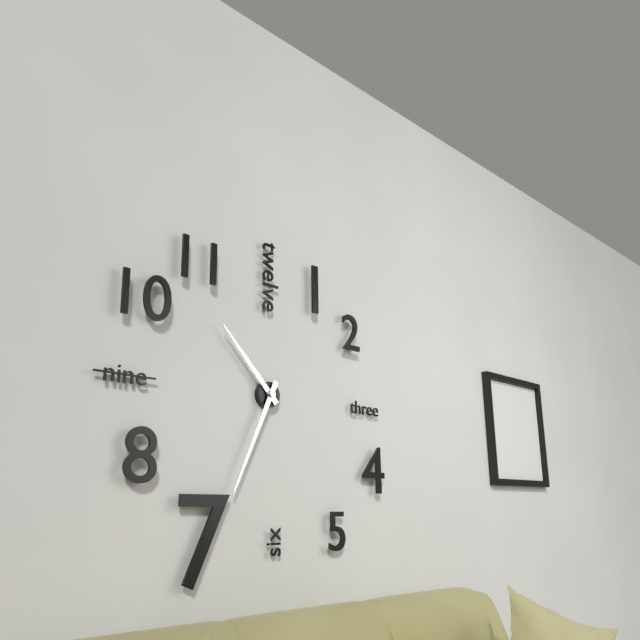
{"hour": 10, "minute": 34}
